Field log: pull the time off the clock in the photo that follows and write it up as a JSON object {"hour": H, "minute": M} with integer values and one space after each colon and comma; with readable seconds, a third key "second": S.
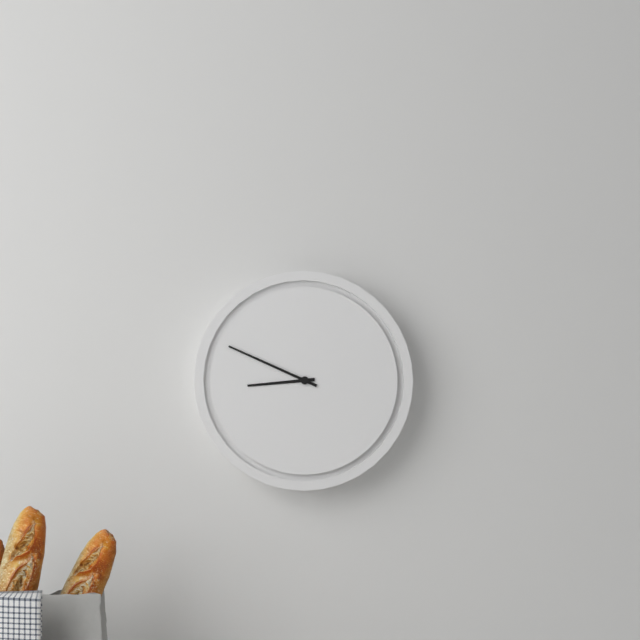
{"hour": 8, "minute": 49}
